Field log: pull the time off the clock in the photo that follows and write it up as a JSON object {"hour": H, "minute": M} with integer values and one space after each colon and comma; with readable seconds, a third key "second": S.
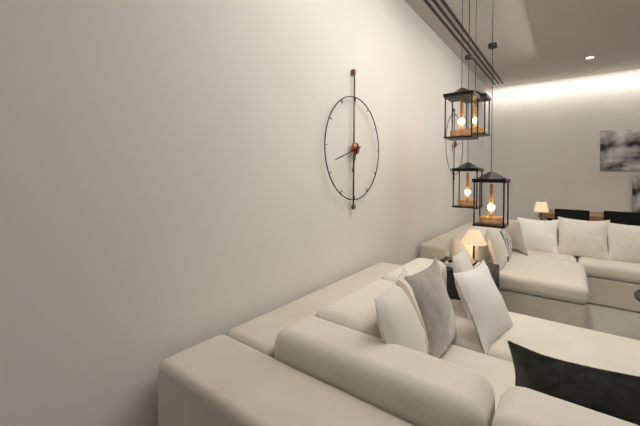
{"hour": 6, "minute": 42}
